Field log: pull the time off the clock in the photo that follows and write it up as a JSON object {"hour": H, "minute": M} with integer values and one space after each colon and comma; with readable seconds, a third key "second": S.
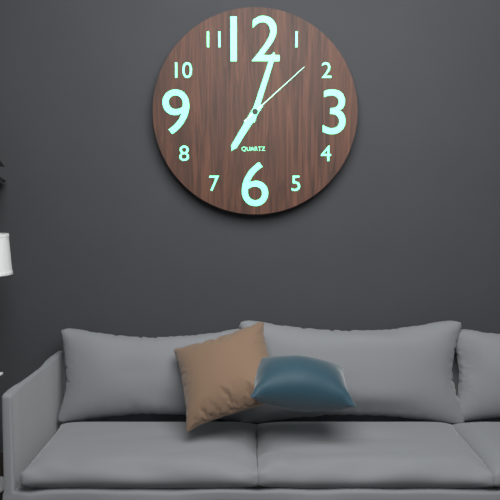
{"hour": 7, "minute": 3, "second": 8}
